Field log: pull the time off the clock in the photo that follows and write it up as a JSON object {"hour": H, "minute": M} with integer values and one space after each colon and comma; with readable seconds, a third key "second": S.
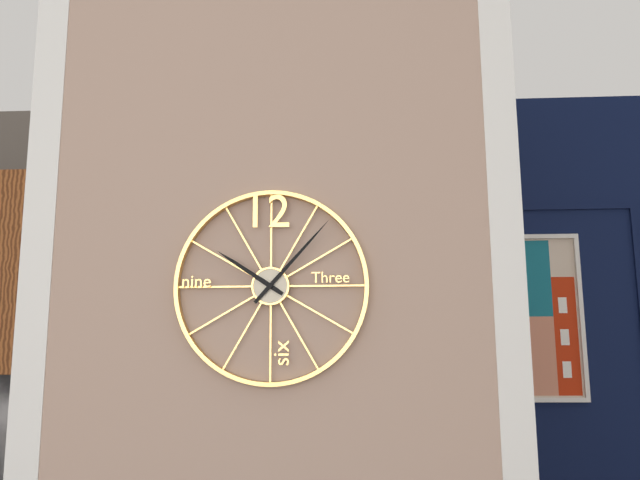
{"hour": 10, "minute": 7}
